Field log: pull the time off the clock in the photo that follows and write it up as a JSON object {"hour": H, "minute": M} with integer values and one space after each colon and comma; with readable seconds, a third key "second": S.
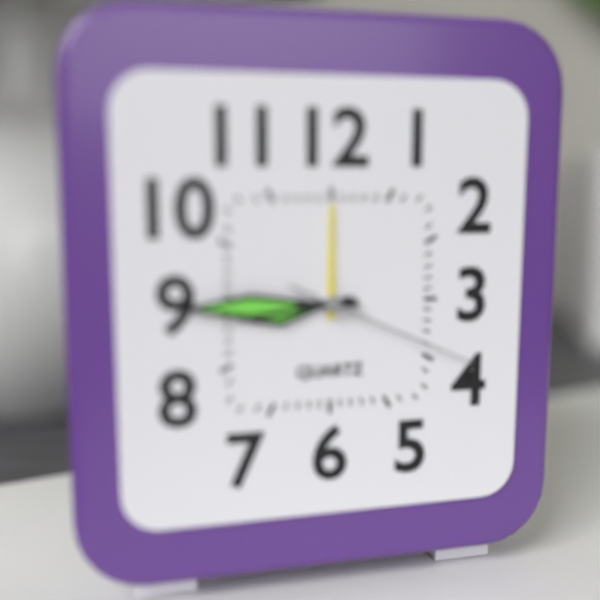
{"hour": 8, "minute": 45, "second": 19}
